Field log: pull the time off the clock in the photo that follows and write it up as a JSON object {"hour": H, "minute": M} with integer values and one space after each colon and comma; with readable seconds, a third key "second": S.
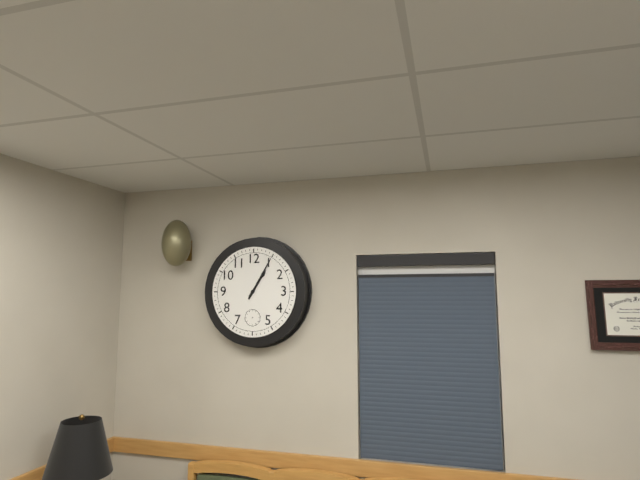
{"hour": 1, "minute": 5}
